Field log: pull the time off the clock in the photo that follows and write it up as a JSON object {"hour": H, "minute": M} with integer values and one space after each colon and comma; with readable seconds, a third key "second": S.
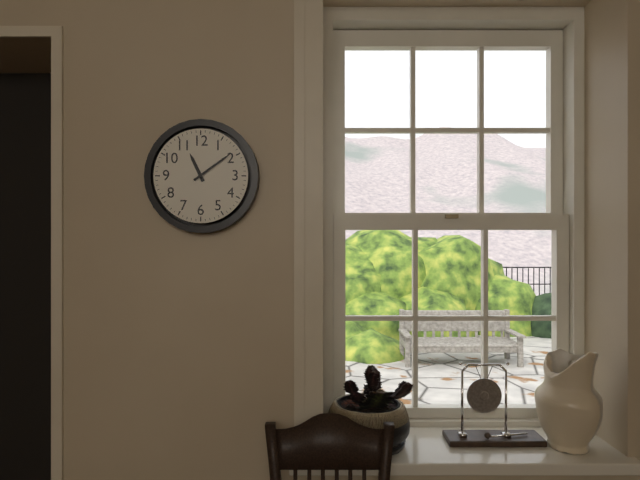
{"hour": 11, "minute": 9}
